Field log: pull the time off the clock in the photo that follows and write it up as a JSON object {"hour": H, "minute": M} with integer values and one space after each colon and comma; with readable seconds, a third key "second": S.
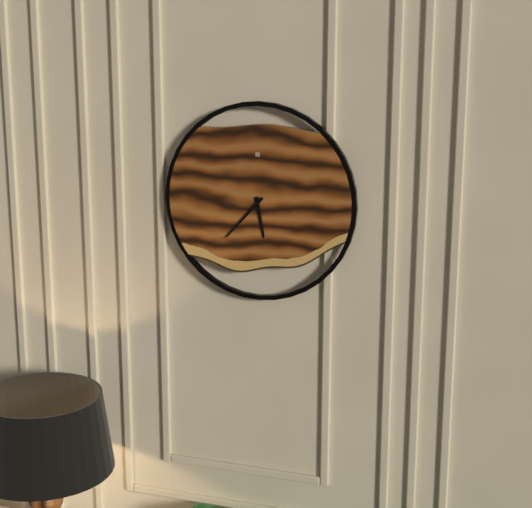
{"hour": 5, "minute": 37}
